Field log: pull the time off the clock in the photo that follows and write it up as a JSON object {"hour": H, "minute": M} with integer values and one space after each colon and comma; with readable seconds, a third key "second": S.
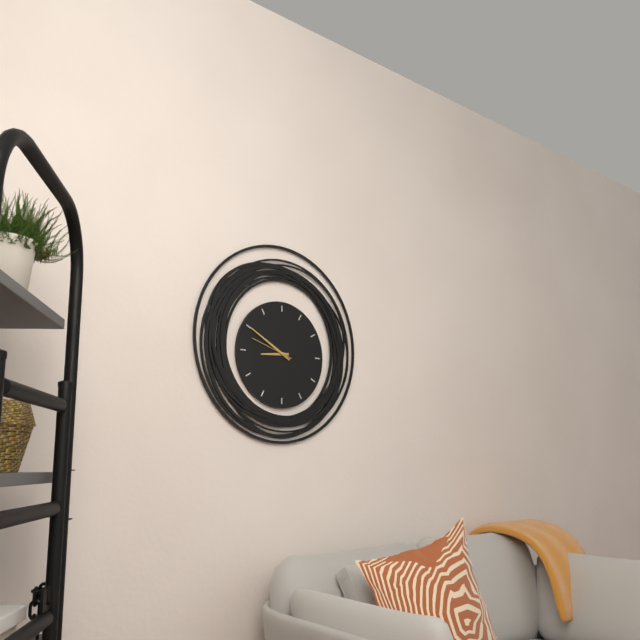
{"hour": 8, "minute": 50}
